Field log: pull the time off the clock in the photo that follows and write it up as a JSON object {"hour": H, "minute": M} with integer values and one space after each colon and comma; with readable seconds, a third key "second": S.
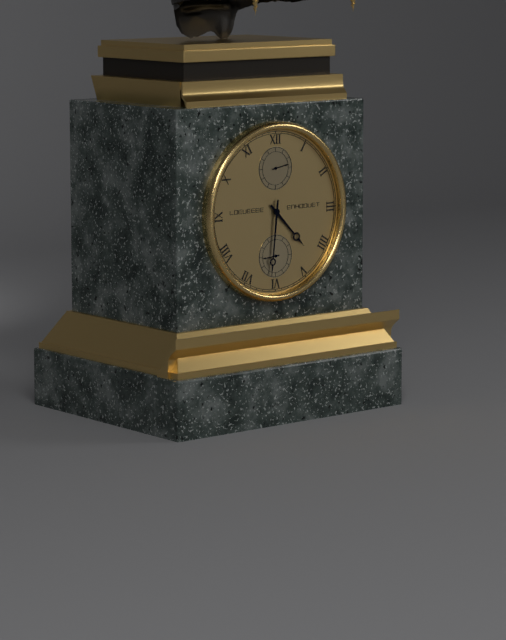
{"hour": 4, "minute": 31}
